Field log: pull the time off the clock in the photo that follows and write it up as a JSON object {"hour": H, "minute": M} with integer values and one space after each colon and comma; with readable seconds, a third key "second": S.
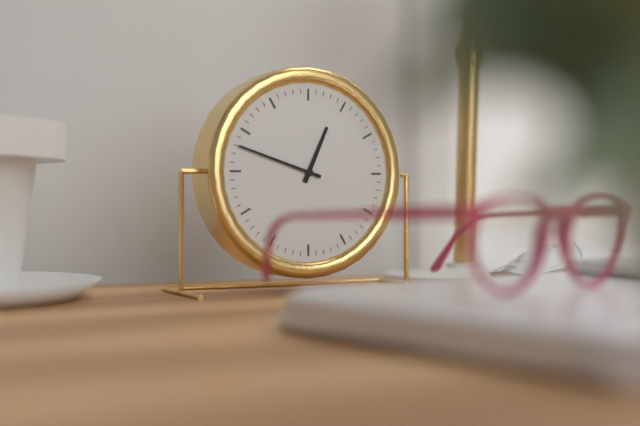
{"hour": 12, "minute": 48}
